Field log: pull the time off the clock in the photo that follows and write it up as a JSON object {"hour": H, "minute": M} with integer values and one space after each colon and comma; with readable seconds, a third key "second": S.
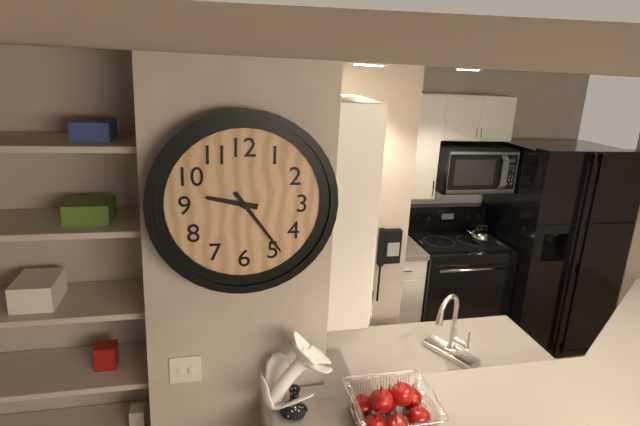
{"hour": 9, "minute": 24}
